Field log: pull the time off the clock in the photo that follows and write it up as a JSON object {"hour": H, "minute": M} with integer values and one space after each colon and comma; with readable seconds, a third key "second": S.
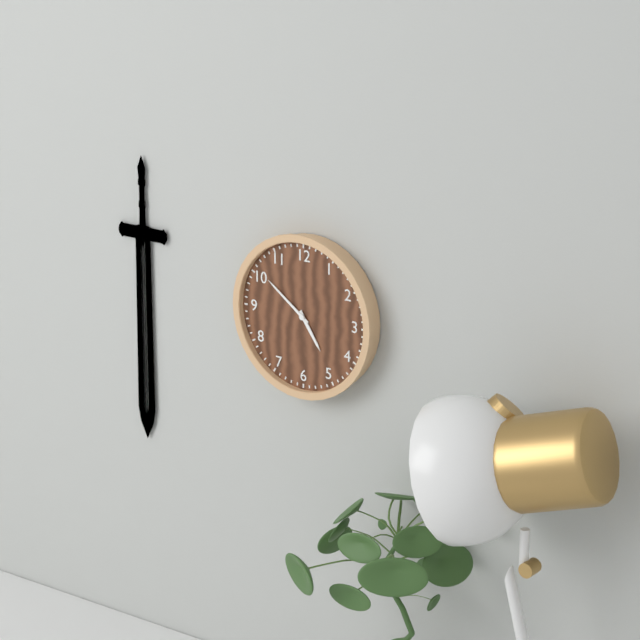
{"hour": 4, "minute": 51}
